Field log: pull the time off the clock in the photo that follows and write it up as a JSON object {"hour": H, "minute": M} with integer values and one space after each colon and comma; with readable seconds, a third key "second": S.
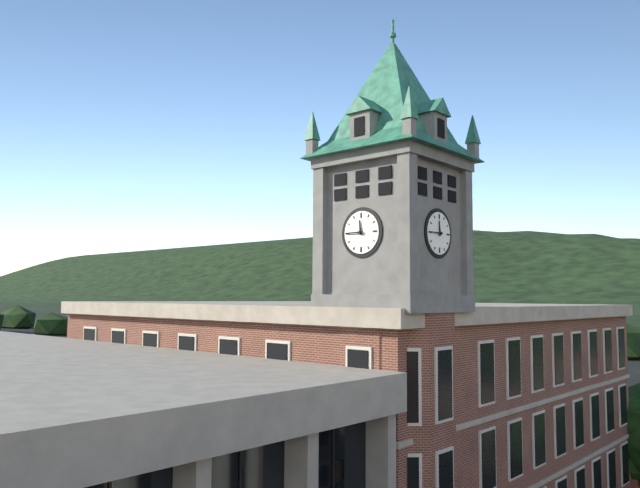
{"hour": 11, "minute": 45}
